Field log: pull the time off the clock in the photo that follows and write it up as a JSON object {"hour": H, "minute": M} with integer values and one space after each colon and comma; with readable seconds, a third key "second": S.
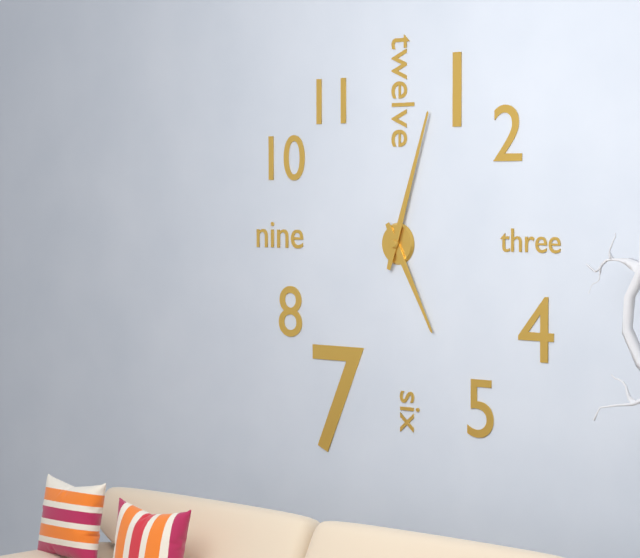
{"hour": 5, "minute": 3}
